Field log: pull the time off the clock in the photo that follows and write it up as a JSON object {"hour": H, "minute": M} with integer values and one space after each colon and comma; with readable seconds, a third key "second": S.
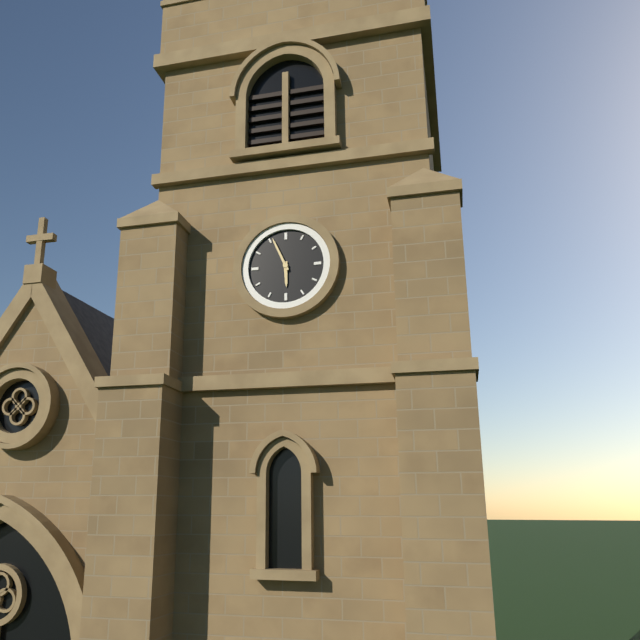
{"hour": 5, "minute": 56}
